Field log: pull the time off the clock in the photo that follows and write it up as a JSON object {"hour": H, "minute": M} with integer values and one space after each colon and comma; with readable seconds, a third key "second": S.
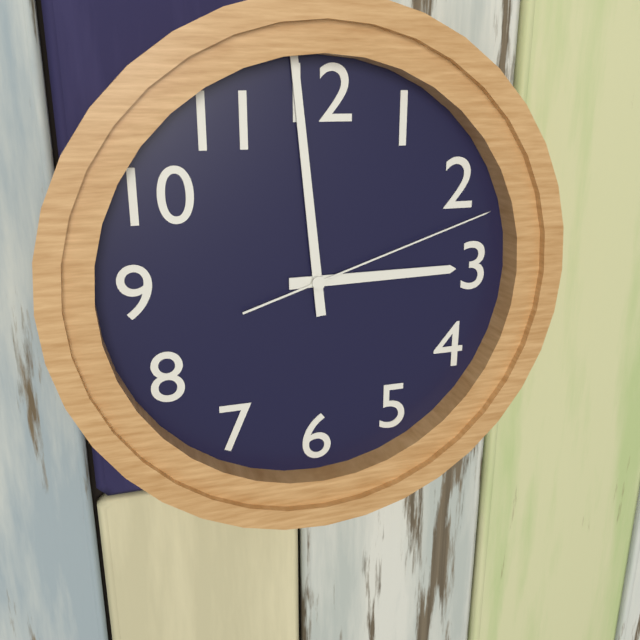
{"hour": 2, "minute": 59, "second": 12}
